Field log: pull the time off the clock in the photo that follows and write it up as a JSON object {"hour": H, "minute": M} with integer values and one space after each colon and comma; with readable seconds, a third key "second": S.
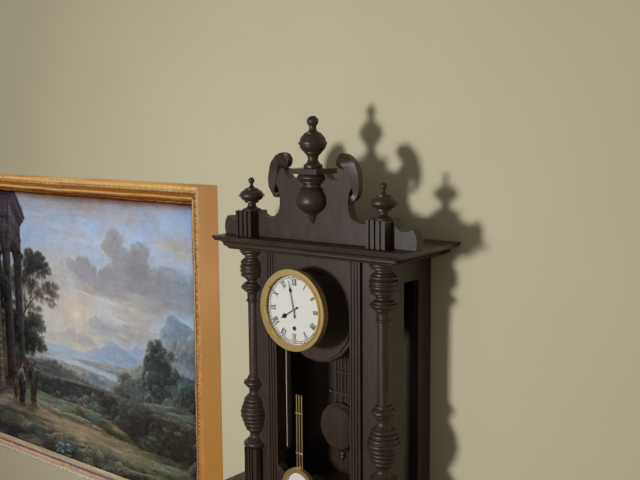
{"hour": 7, "minute": 58}
